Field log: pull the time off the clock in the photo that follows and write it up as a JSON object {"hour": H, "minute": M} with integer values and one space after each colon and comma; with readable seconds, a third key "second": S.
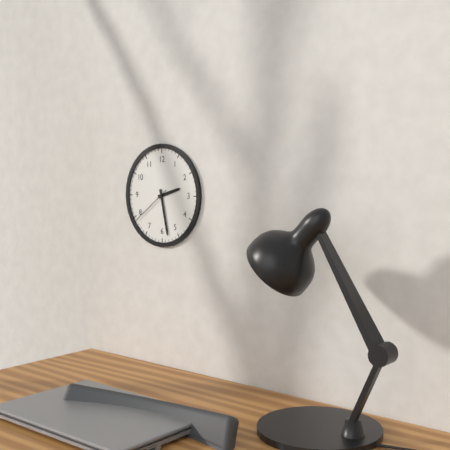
{"hour": 2, "minute": 28}
